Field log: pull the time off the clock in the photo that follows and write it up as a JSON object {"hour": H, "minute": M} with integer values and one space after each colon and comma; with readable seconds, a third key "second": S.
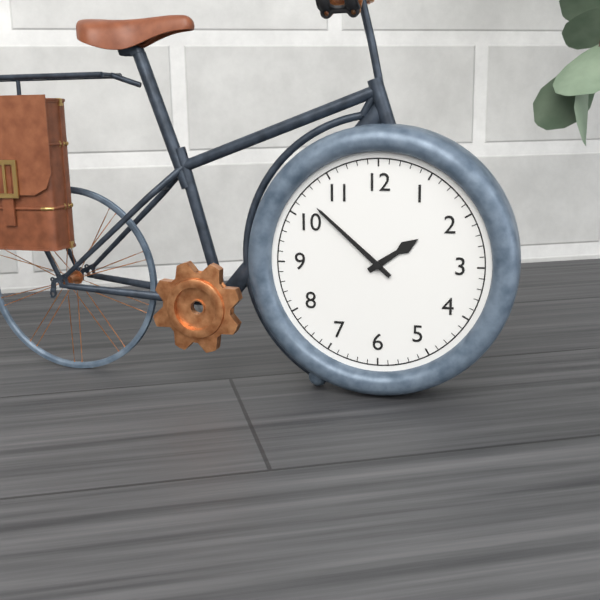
{"hour": 1, "minute": 52}
